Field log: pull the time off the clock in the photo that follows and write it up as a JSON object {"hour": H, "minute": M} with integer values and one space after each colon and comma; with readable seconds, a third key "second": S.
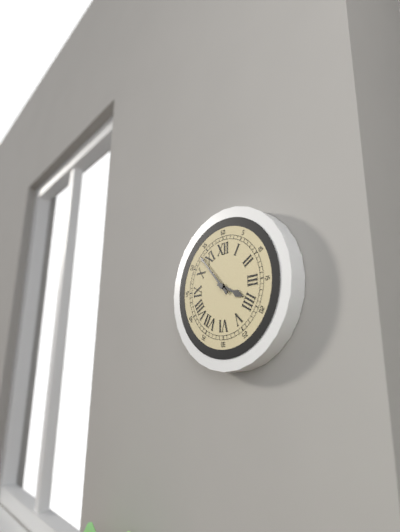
{"hour": 3, "minute": 53}
